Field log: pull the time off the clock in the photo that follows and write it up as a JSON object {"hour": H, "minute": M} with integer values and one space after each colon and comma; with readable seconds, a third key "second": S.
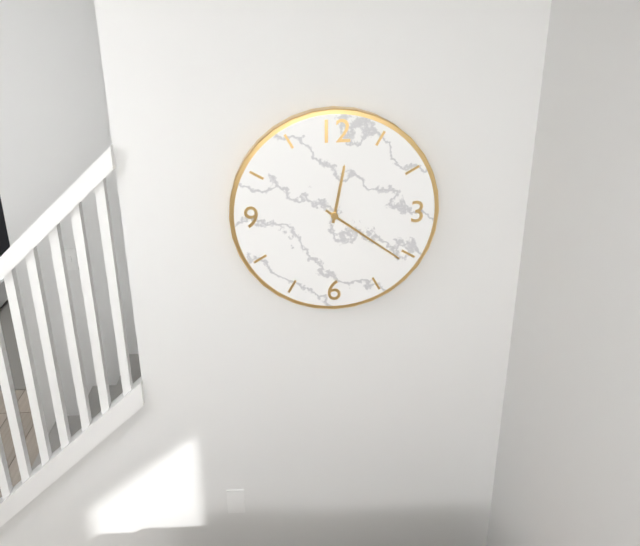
{"hour": 12, "minute": 21}
